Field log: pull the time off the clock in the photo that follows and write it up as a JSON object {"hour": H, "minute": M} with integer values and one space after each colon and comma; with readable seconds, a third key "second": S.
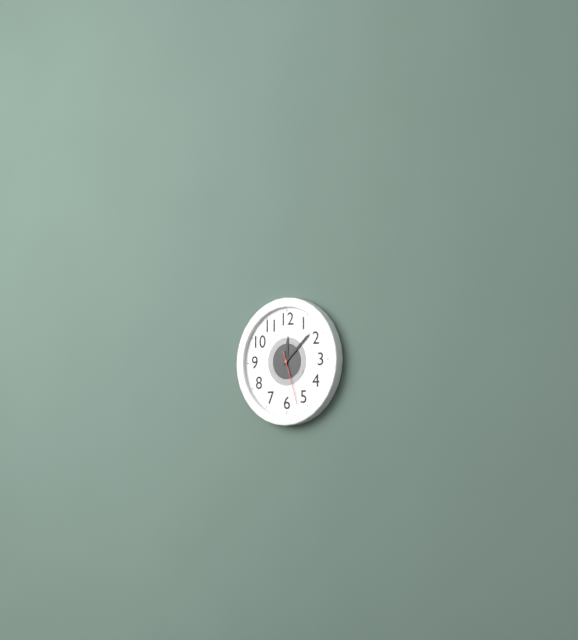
{"hour": 12, "minute": 8, "second": 27}
